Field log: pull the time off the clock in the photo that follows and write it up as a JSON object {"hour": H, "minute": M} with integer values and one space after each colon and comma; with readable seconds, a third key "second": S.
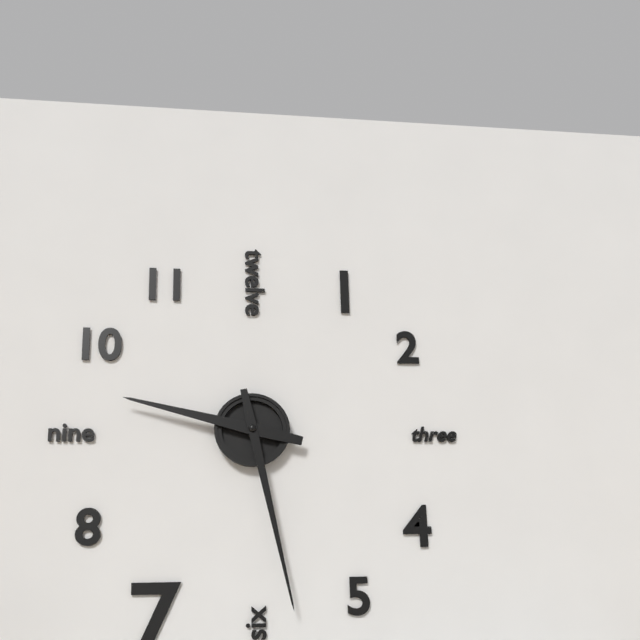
{"hour": 9, "minute": 28}
